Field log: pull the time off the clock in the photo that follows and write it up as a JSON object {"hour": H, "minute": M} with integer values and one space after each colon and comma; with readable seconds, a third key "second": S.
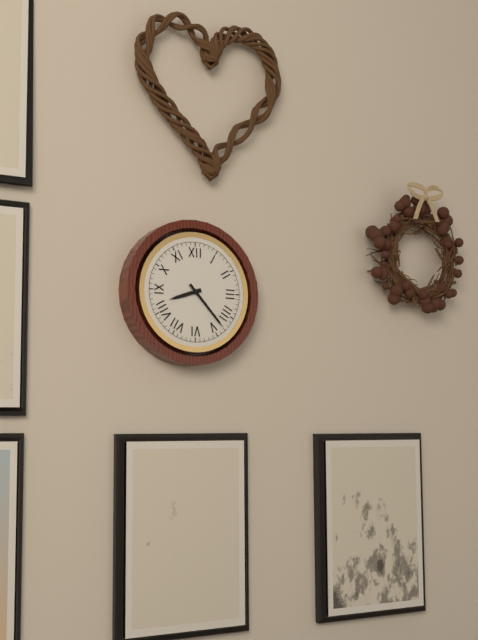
{"hour": 8, "minute": 23}
